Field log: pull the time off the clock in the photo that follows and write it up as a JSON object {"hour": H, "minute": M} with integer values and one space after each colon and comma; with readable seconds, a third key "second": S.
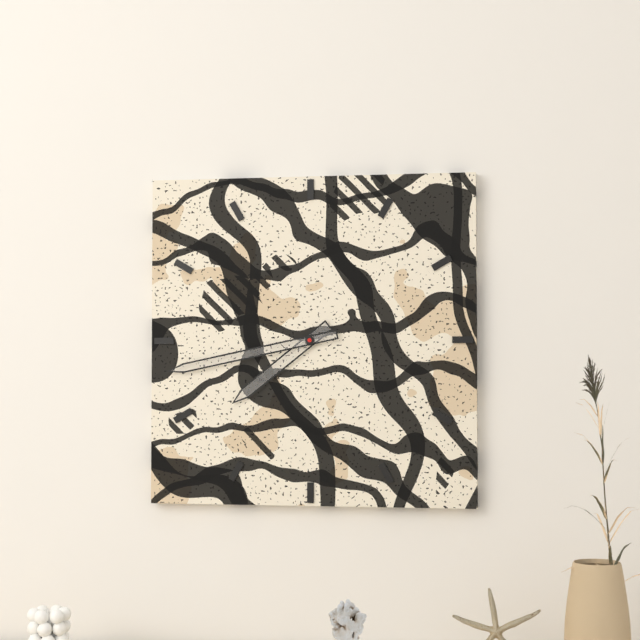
{"hour": 7, "minute": 43}
